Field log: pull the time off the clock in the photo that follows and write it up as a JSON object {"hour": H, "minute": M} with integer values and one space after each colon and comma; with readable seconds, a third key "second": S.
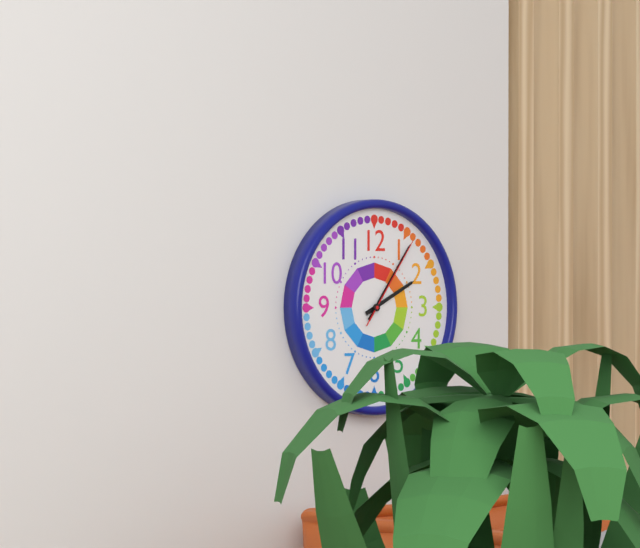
{"hour": 2, "minute": 6, "second": 6}
